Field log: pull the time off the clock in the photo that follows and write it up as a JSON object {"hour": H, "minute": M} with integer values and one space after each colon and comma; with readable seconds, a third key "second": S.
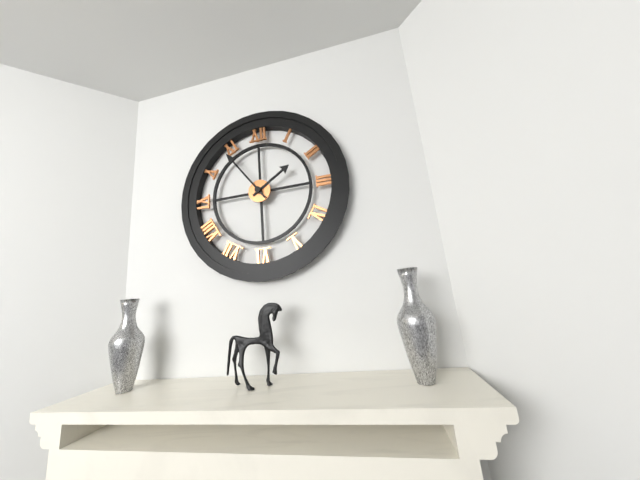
{"hour": 1, "minute": 54}
